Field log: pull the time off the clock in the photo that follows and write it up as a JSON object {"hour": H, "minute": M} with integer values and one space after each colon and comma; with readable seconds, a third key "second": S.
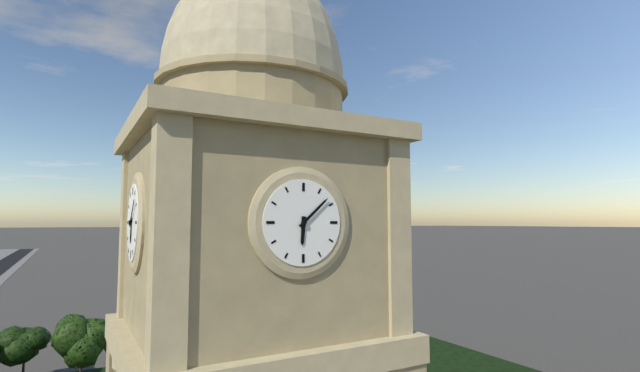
{"hour": 6, "minute": 8}
